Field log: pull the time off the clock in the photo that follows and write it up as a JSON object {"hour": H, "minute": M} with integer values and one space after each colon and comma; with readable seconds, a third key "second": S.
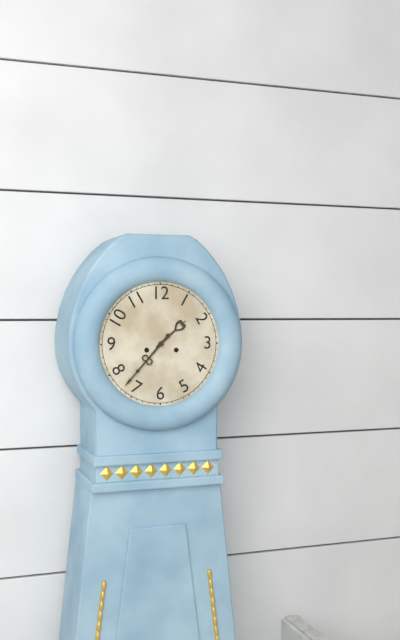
{"hour": 1, "minute": 37}
